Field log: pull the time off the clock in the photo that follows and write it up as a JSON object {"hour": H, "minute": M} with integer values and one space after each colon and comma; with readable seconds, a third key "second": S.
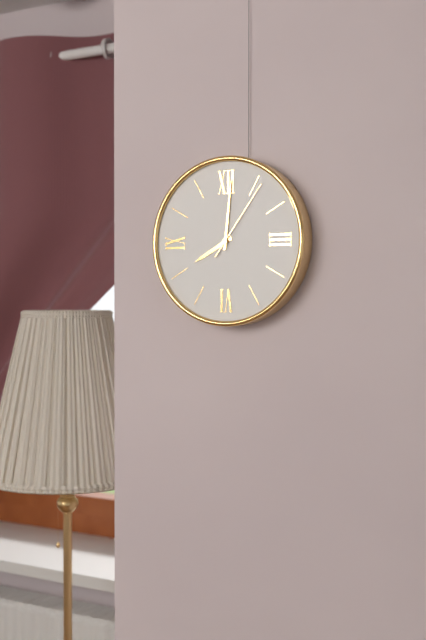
{"hour": 8, "minute": 1, "second": 6}
